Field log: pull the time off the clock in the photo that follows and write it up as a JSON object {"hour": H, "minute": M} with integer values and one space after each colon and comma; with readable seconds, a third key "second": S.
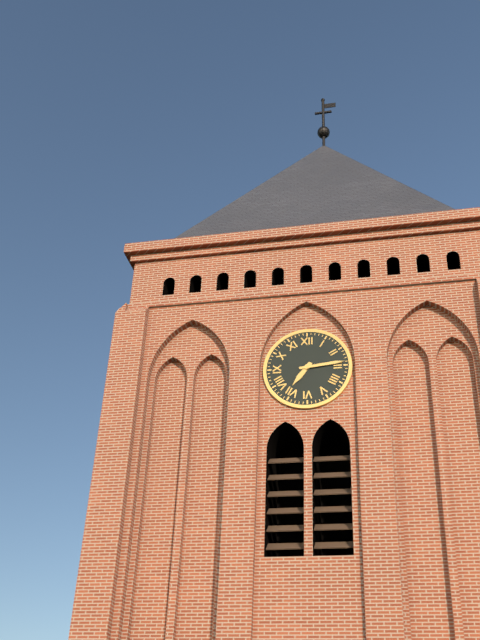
{"hour": 7, "minute": 14}
